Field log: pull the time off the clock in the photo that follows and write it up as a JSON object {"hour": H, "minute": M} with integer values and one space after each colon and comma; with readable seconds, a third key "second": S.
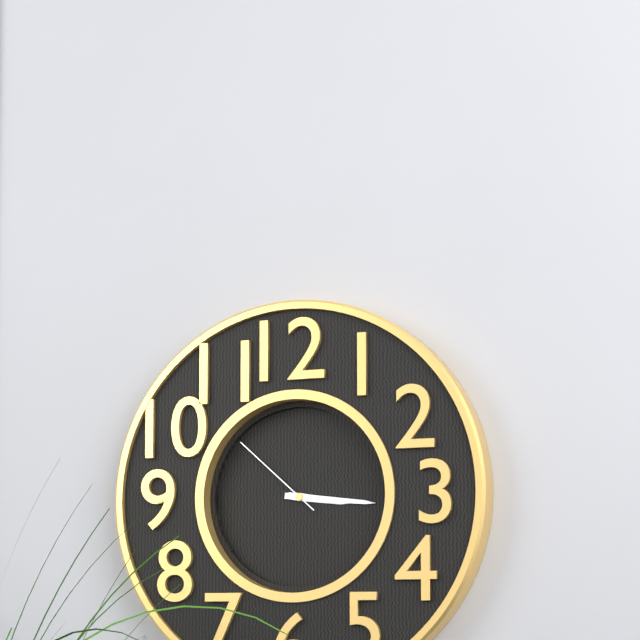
{"hour": 3, "minute": 16, "second": 52}
